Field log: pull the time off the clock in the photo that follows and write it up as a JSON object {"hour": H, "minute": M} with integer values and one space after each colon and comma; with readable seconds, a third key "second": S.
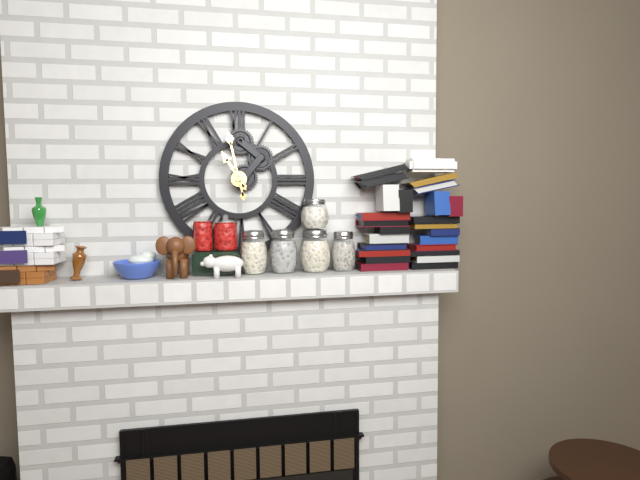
{"hour": 10, "minute": 58}
